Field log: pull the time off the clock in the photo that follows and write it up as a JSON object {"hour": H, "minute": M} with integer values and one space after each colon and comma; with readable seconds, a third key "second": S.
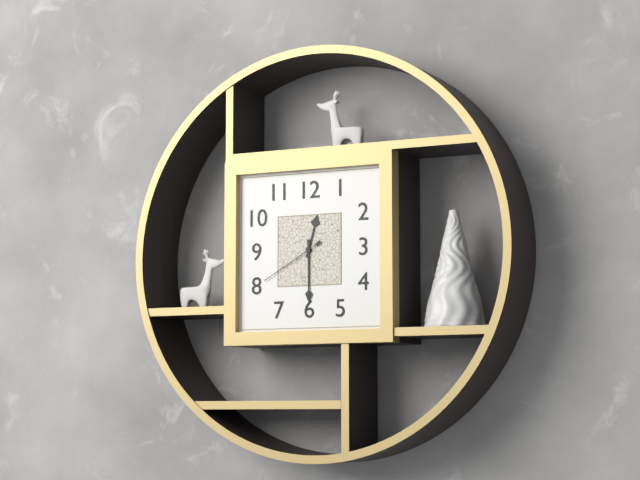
{"hour": 12, "minute": 30, "second": 40}
